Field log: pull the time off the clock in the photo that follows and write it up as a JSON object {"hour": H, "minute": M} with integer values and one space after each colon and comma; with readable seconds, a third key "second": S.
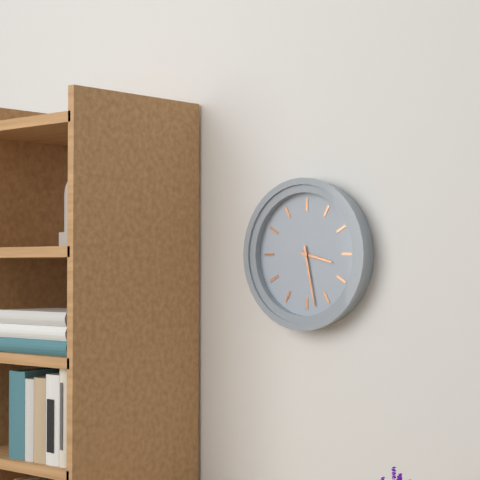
{"hour": 3, "minute": 28}
